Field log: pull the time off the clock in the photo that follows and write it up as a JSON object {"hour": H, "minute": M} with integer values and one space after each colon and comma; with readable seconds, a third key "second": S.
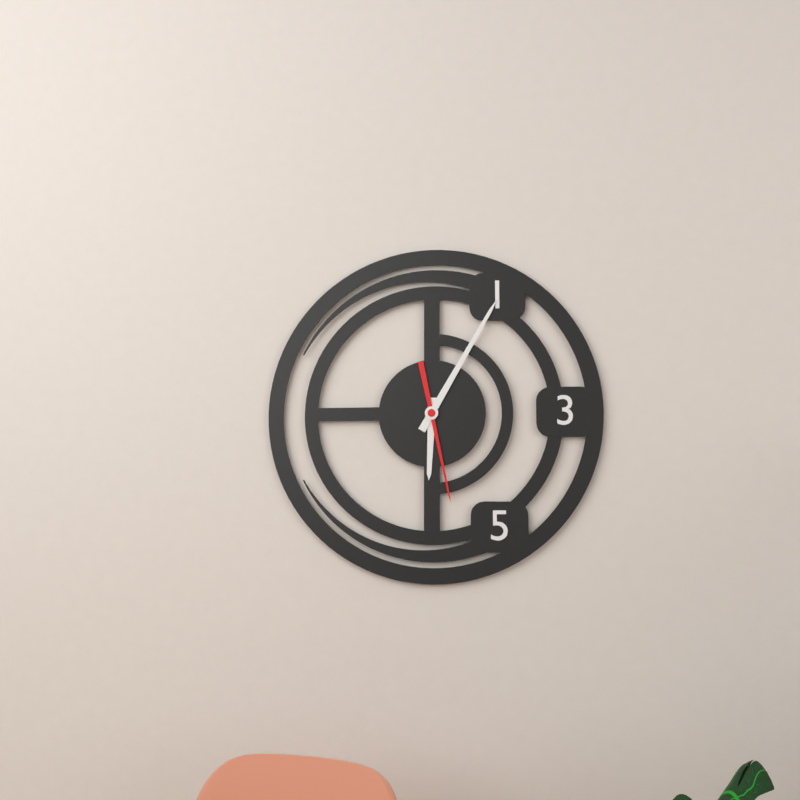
{"hour": 6, "minute": 5, "second": 28}
